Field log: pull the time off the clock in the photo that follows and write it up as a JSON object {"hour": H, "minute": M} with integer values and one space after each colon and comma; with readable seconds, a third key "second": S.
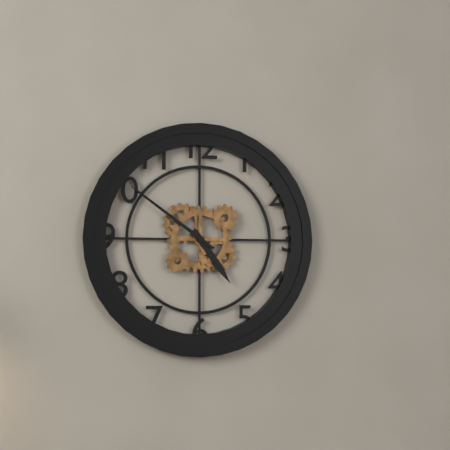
{"hour": 4, "minute": 51}
